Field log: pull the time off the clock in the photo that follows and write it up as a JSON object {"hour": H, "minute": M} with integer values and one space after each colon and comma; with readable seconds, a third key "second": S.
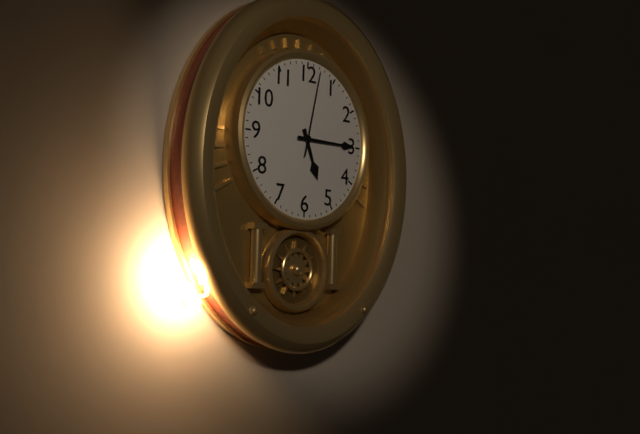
{"hour": 5, "minute": 15, "second": 2}
